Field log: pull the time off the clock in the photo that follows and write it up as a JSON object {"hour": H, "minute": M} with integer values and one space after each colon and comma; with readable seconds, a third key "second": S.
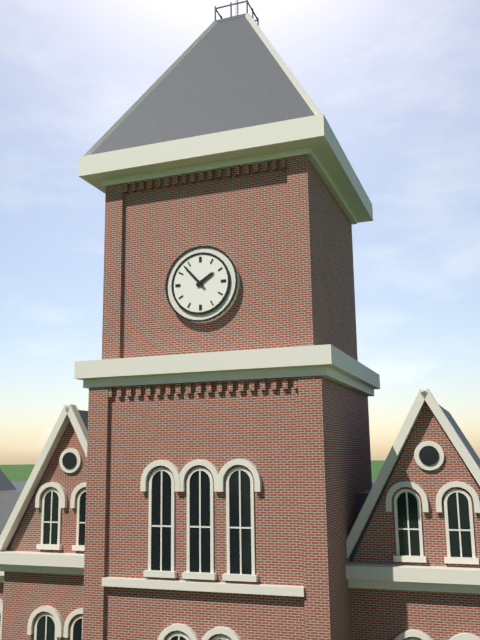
{"hour": 1, "minute": 53}
